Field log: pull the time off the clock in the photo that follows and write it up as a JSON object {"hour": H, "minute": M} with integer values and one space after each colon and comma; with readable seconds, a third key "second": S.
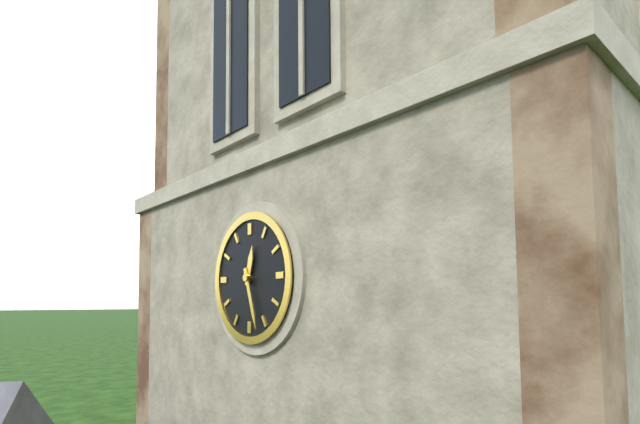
{"hour": 12, "minute": 27}
